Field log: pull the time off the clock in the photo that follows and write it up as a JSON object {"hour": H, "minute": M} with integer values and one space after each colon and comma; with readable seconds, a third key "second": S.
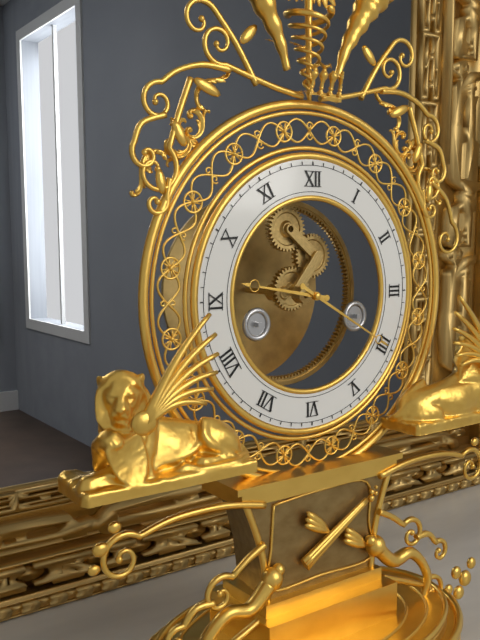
{"hour": 9, "minute": 20}
